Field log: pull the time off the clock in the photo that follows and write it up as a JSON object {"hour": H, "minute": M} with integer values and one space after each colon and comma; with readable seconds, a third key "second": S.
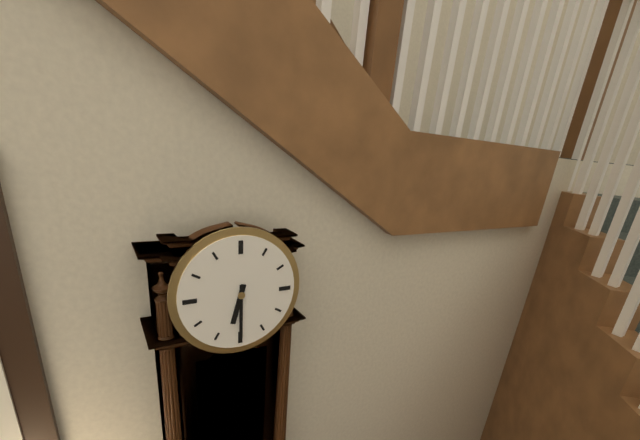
{"hour": 6, "minute": 30}
